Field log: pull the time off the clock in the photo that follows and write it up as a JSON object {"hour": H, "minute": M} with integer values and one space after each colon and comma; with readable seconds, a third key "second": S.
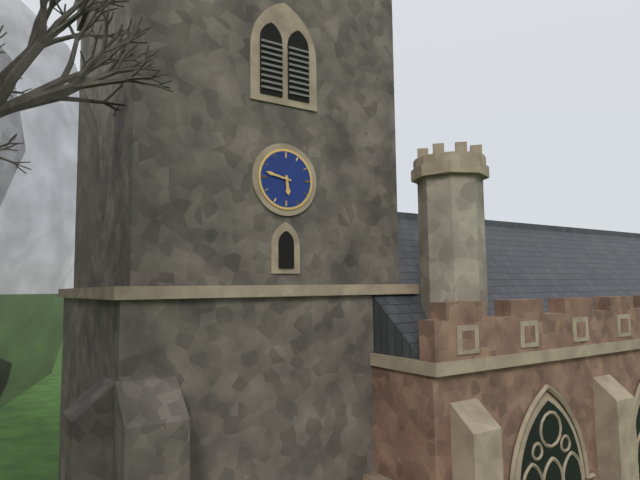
{"hour": 5, "minute": 47}
